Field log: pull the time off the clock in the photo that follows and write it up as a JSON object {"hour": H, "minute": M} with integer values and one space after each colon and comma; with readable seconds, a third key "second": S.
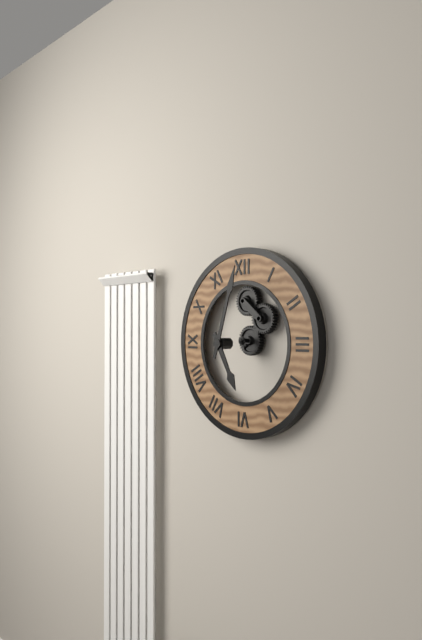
{"hour": 5, "minute": 3}
